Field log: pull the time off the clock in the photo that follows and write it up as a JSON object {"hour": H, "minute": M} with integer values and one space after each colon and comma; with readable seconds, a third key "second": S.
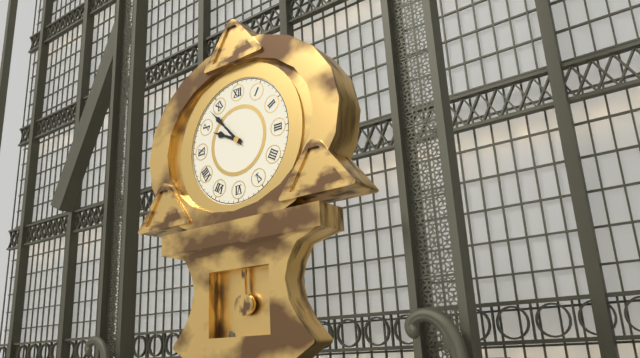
{"hour": 9, "minute": 53}
